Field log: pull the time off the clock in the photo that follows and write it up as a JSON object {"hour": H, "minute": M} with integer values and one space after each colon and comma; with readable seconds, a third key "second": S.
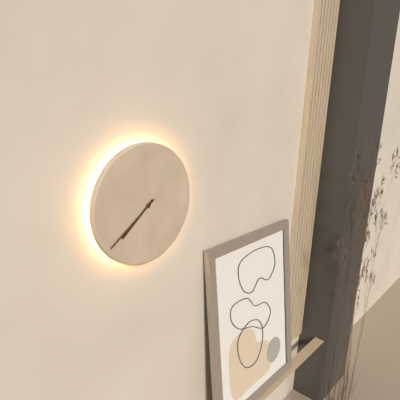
{"hour": 7, "minute": 39}
